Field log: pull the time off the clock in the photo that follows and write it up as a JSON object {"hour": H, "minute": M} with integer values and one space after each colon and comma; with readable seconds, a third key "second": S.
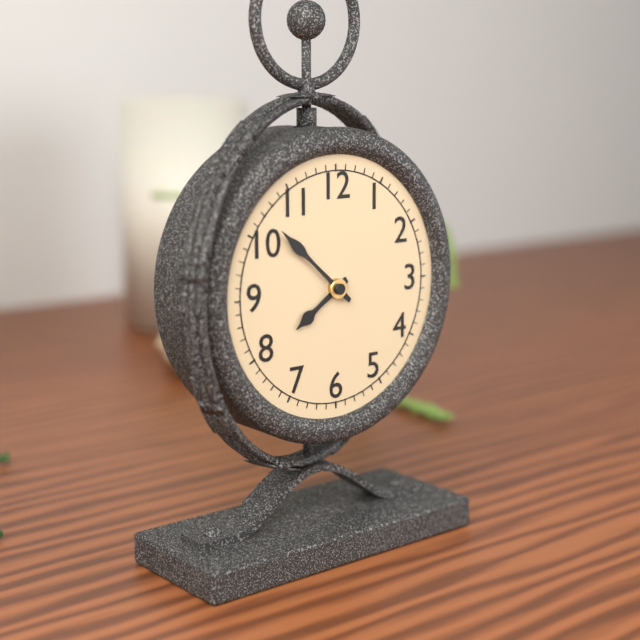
{"hour": 7, "minute": 52}
